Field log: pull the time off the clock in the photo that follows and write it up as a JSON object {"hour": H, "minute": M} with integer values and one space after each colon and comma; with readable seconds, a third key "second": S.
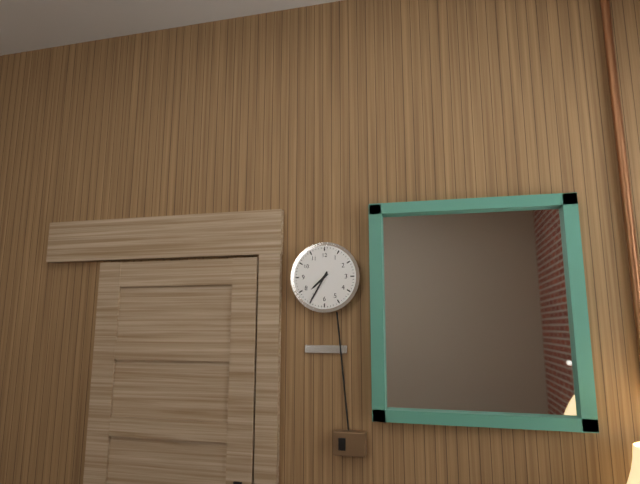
{"hour": 7, "minute": 35}
